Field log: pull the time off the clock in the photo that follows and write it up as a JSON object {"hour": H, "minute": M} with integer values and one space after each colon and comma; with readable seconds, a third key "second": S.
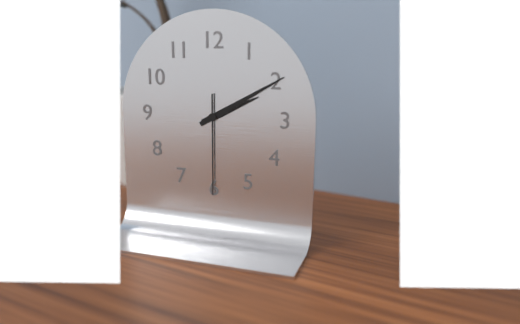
{"hour": 2, "minute": 10, "second": 30}
